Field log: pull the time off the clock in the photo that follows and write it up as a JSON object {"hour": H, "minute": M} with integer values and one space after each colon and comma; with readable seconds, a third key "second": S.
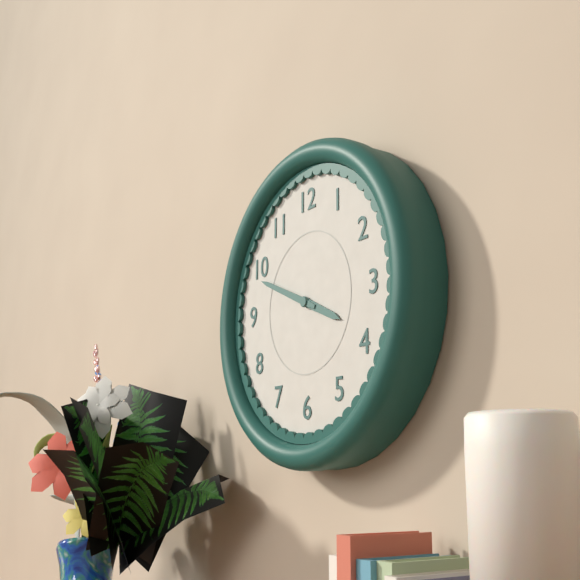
{"hour": 3, "minute": 49}
